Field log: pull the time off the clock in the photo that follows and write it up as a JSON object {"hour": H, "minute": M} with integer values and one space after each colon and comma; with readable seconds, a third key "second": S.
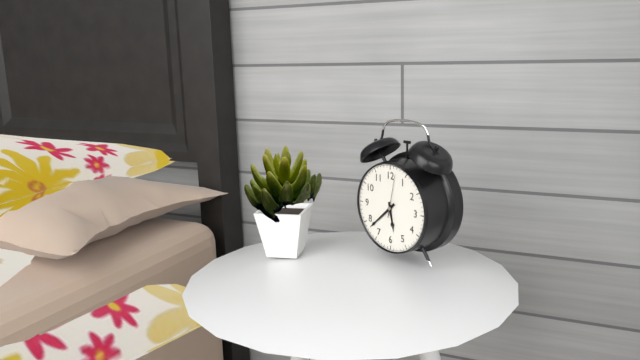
{"hour": 5, "minute": 38}
